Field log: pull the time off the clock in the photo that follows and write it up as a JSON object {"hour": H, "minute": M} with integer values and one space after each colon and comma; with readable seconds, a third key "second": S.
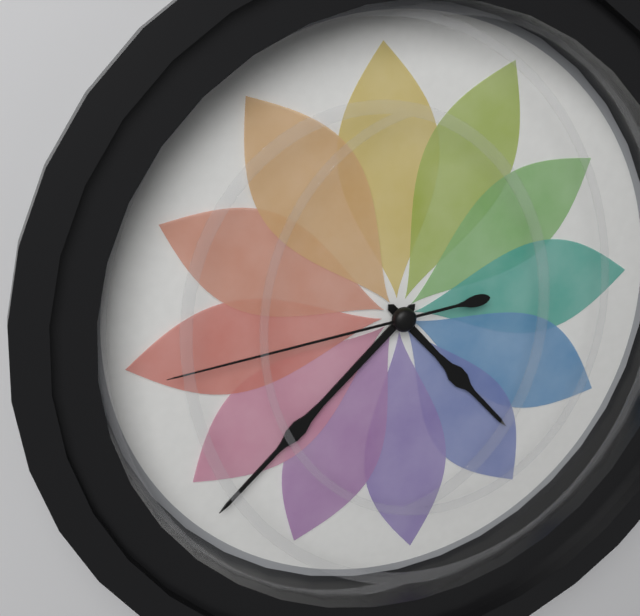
{"hour": 4, "minute": 38, "second": 44}
